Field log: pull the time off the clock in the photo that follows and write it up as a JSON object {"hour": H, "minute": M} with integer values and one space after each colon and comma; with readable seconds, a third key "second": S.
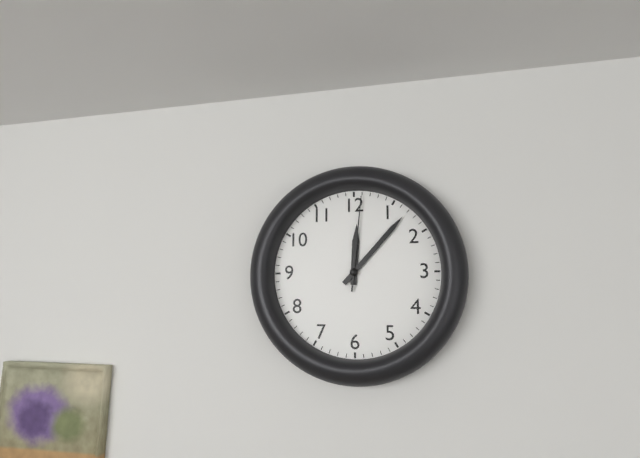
{"hour": 12, "minute": 7, "second": 1}
